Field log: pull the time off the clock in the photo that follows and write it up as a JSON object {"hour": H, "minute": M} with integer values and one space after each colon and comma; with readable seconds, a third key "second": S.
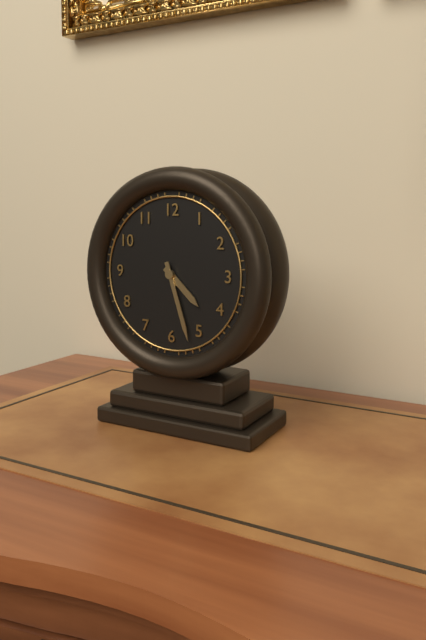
{"hour": 4, "minute": 27}
